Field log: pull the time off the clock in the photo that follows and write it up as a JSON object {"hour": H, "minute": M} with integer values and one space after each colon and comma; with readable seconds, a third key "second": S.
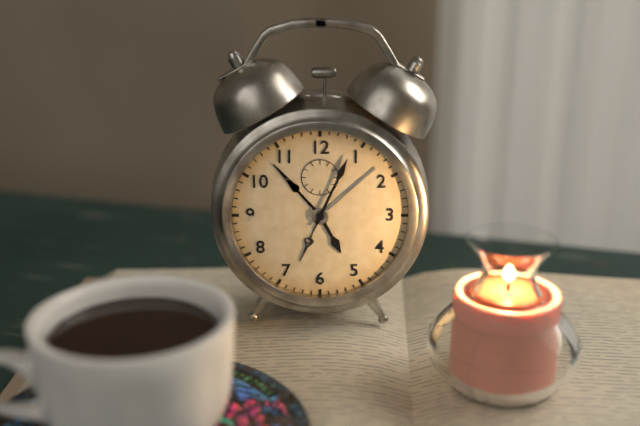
{"hour": 5, "minute": 4}
